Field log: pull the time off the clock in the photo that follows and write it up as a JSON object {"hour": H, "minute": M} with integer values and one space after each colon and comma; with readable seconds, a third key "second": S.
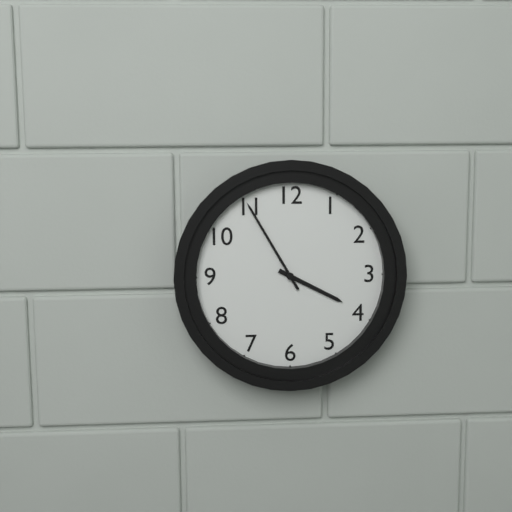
{"hour": 3, "minute": 55}
